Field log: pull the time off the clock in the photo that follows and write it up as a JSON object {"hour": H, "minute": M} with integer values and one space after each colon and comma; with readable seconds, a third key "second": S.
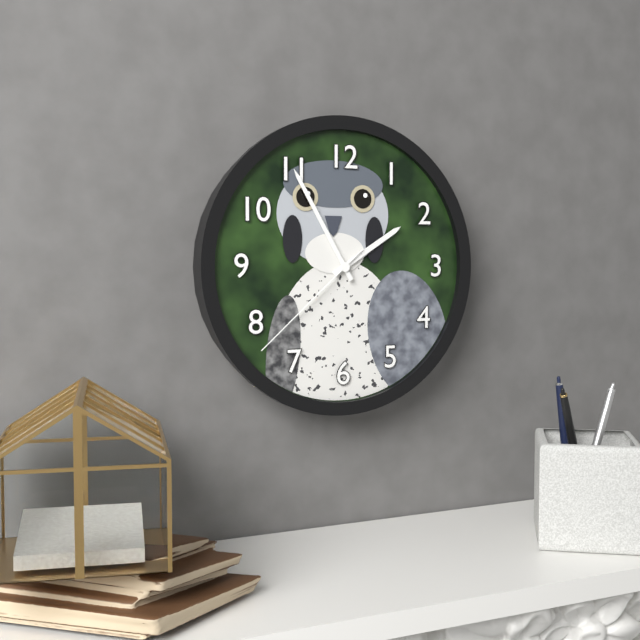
{"hour": 1, "minute": 55, "second": 38}
